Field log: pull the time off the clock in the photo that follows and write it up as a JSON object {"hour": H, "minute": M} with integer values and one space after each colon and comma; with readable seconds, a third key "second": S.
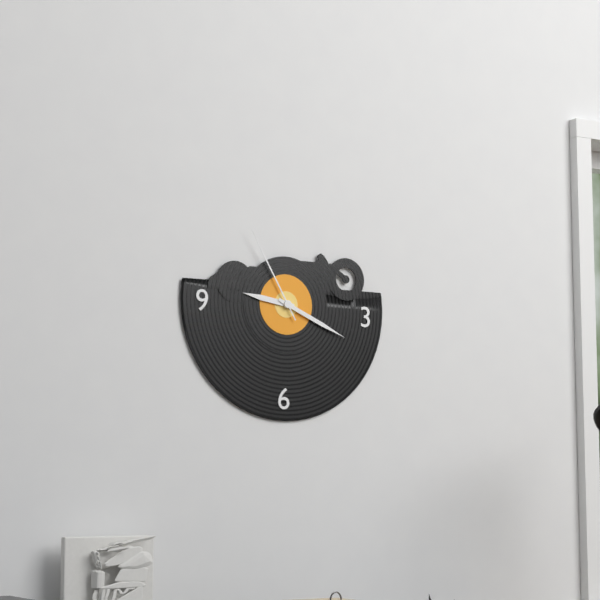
{"hour": 9, "minute": 19, "second": 55}
